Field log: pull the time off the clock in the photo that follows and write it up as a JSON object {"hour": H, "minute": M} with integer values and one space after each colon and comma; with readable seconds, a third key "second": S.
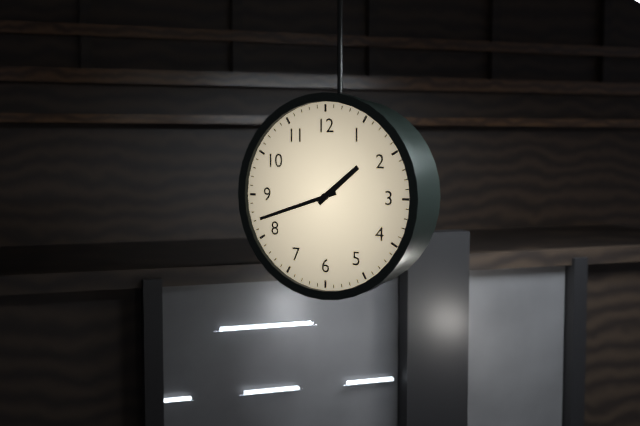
{"hour": 1, "minute": 42}
